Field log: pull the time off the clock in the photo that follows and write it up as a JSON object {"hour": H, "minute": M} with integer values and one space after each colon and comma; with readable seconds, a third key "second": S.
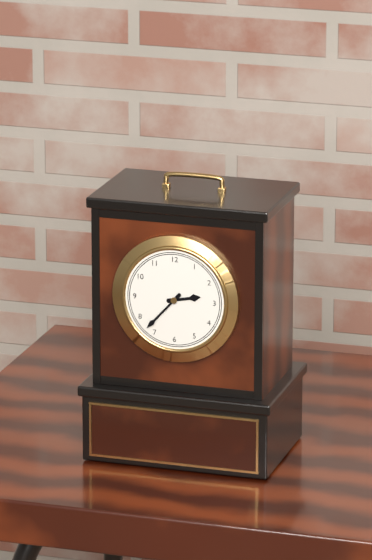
{"hour": 2, "minute": 37}
